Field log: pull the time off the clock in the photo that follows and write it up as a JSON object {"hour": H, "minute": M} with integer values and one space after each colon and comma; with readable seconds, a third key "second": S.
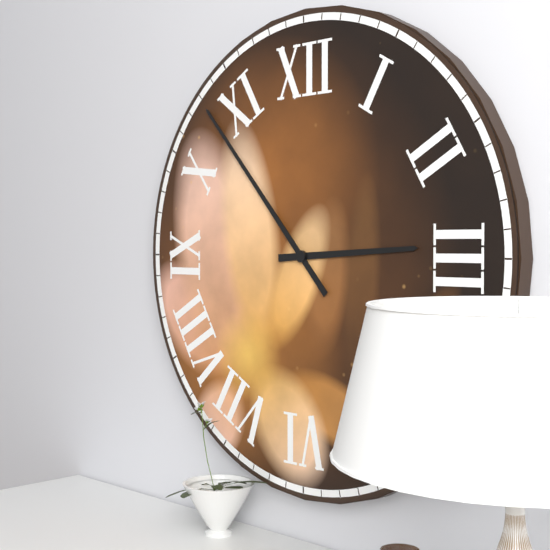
{"hour": 2, "minute": 53}
